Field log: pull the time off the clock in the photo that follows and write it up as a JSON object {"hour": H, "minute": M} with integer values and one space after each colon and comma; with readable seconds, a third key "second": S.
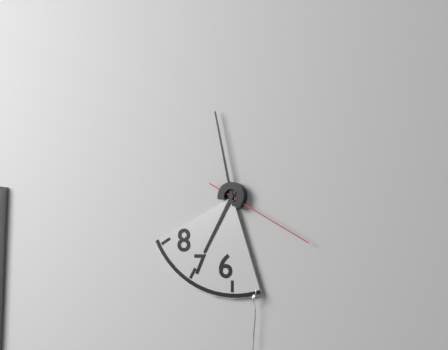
{"hour": 6, "minute": 58, "second": 20}
